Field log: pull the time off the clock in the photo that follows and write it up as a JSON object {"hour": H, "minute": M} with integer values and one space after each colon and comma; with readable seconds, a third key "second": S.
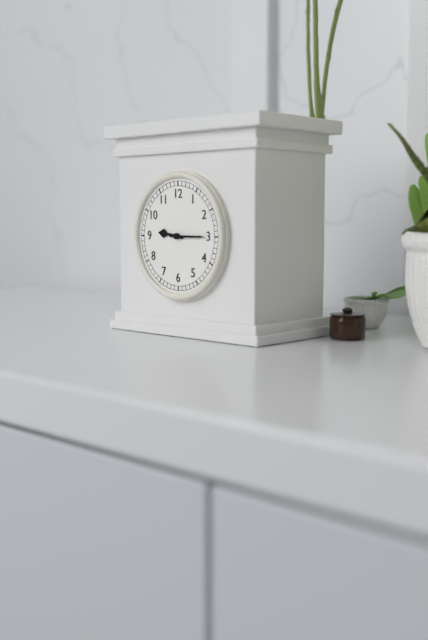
{"hour": 9, "minute": 15}
